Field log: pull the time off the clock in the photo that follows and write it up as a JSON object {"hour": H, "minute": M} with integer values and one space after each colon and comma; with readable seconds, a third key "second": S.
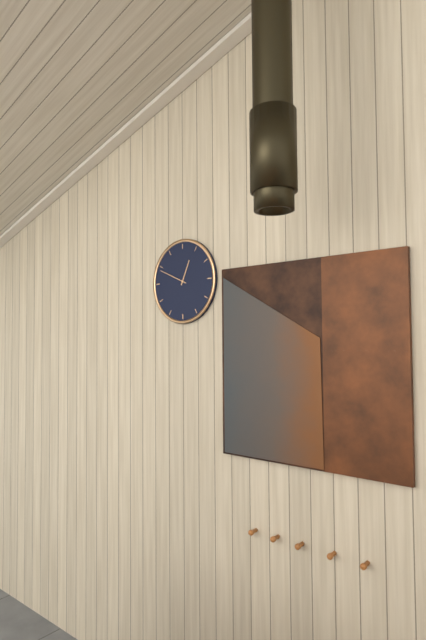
{"hour": 12, "minute": 49}
